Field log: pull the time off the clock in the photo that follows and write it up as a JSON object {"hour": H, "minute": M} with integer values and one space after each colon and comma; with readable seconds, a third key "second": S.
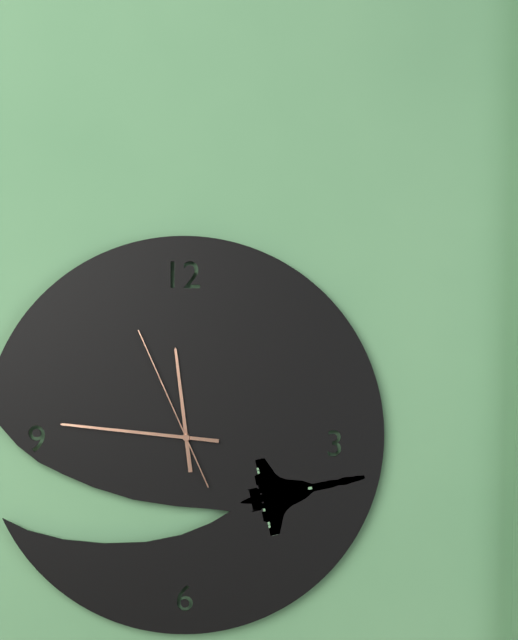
{"hour": 11, "minute": 46, "second": 56}
